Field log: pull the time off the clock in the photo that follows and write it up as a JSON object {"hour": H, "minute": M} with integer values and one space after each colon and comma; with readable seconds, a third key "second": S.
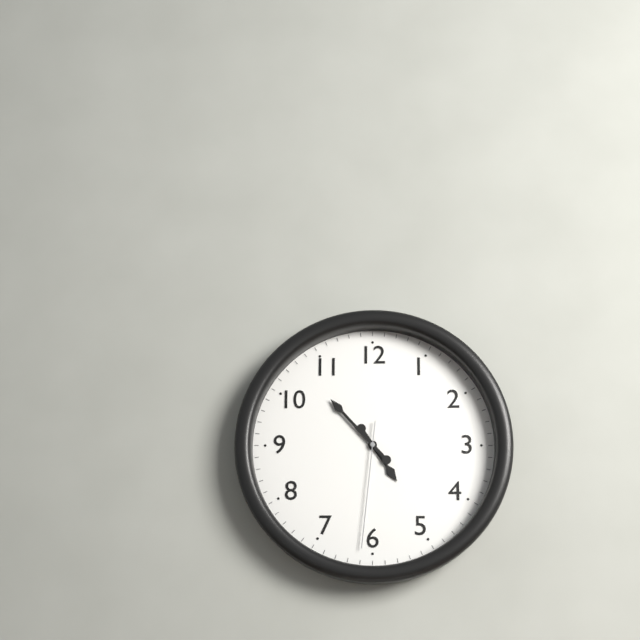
{"hour": 4, "minute": 53, "second": 31}
